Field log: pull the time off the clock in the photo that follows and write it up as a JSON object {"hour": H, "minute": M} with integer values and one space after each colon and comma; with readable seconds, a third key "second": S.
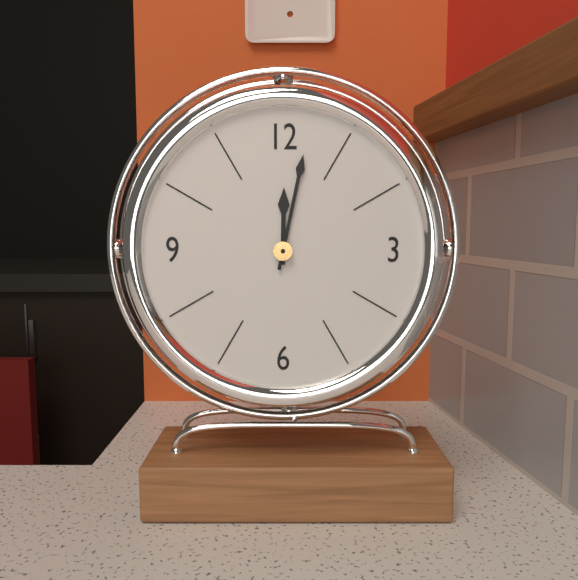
{"hour": 12, "minute": 2}
